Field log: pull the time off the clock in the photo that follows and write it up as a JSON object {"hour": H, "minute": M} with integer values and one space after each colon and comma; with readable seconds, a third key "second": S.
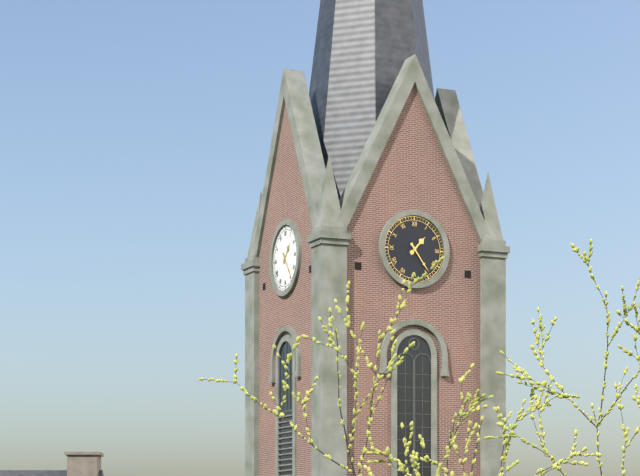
{"hour": 1, "minute": 24}
